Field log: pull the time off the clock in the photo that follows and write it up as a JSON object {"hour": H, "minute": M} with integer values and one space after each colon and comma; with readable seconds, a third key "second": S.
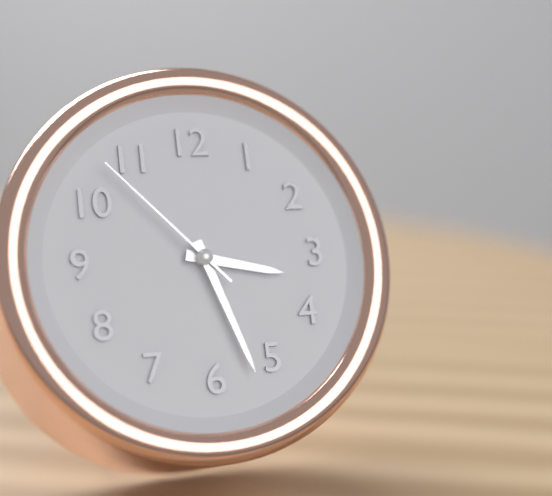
{"hour": 3, "minute": 27, "second": 53}
